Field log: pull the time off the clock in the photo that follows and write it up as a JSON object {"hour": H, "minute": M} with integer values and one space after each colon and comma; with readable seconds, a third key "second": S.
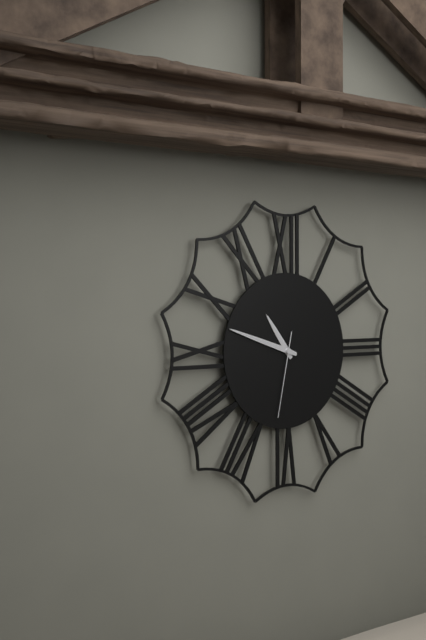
{"hour": 10, "minute": 48, "second": 32}
